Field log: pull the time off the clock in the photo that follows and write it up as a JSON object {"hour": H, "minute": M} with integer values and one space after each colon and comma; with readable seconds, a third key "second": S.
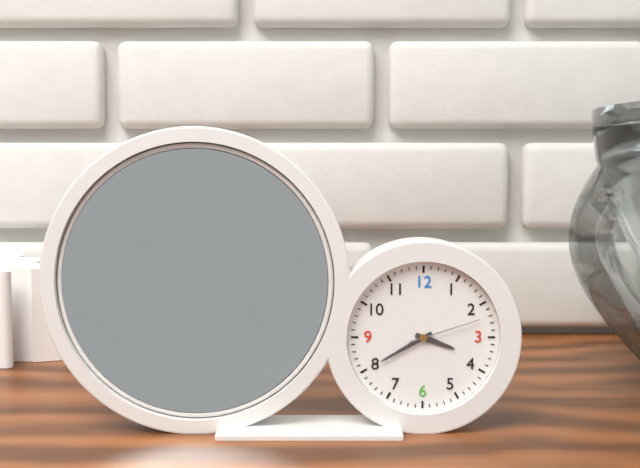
{"hour": 3, "minute": 40, "second": 12}
